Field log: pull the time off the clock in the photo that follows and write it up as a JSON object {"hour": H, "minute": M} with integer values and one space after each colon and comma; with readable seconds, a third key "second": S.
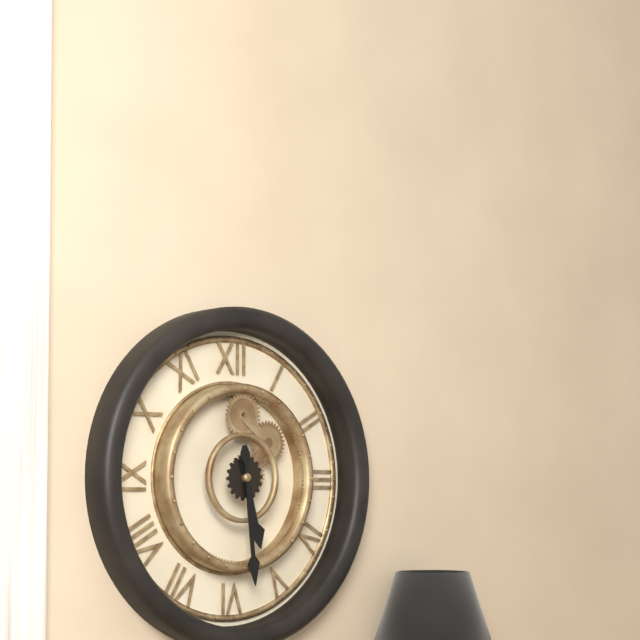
{"hour": 5, "minute": 29}
